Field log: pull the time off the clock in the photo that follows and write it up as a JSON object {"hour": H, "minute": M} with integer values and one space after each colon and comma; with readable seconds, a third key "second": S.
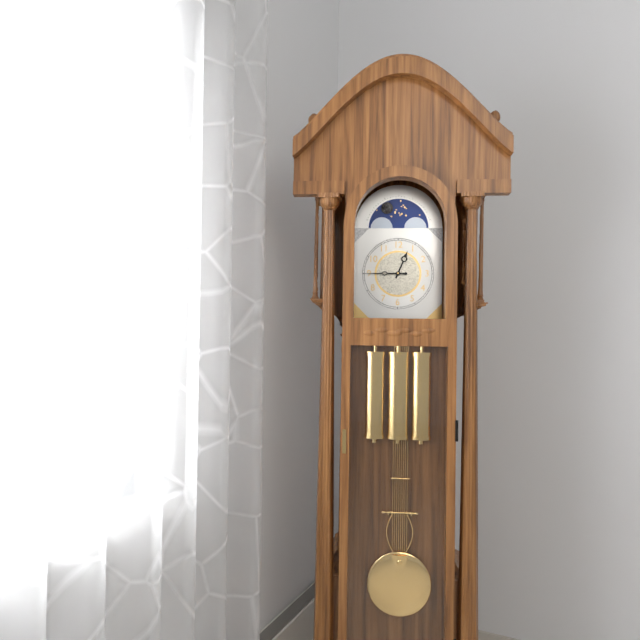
{"hour": 12, "minute": 45}
